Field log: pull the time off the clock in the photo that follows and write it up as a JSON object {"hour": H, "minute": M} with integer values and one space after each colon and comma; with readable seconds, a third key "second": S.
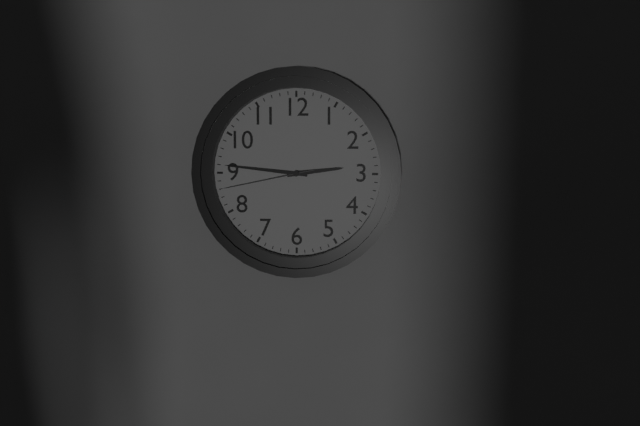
{"hour": 2, "minute": 46, "second": 43}
